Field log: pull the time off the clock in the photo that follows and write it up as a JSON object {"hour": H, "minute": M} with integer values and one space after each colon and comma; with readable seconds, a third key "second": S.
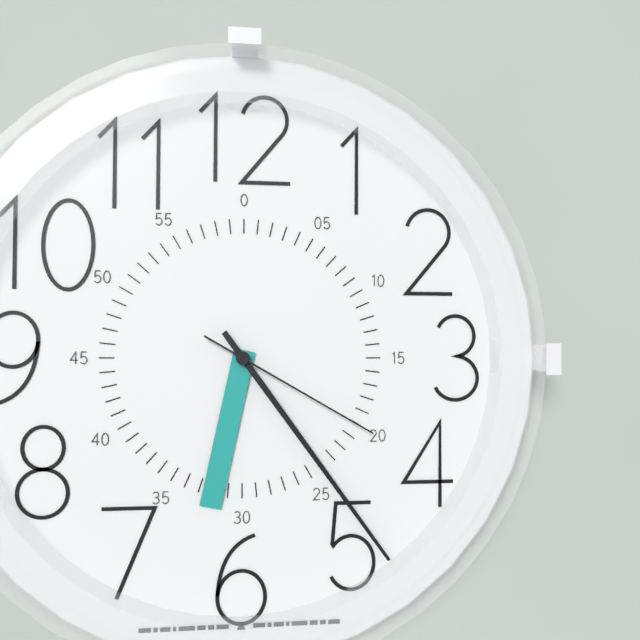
{"hour": 6, "minute": 24, "second": 20}
